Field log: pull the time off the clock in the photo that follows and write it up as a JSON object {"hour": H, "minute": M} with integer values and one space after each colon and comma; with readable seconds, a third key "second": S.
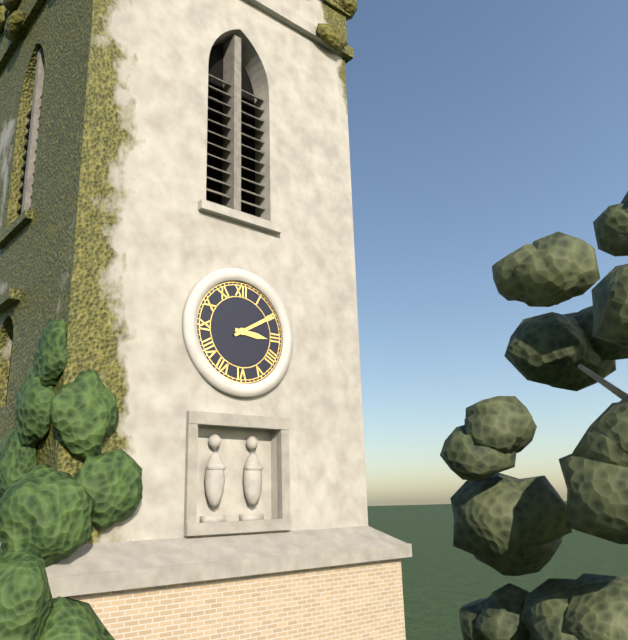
{"hour": 3, "minute": 10}
